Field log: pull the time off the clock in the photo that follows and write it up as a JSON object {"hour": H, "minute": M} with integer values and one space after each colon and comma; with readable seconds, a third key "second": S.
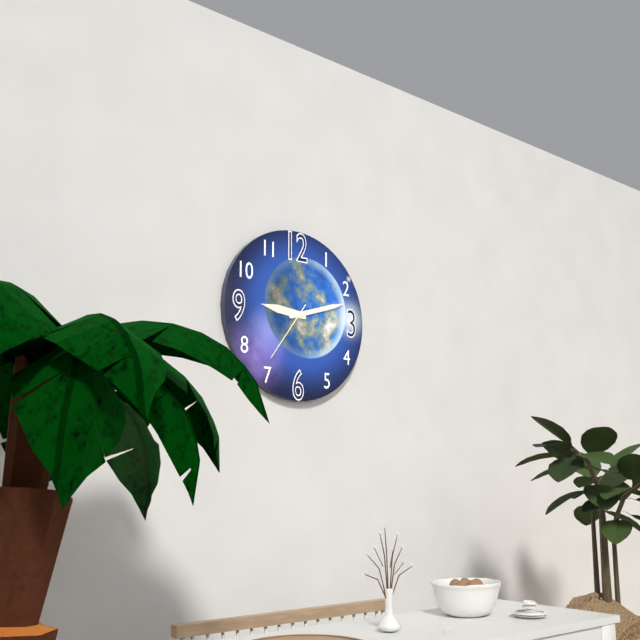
{"hour": 9, "minute": 12, "second": 36}
